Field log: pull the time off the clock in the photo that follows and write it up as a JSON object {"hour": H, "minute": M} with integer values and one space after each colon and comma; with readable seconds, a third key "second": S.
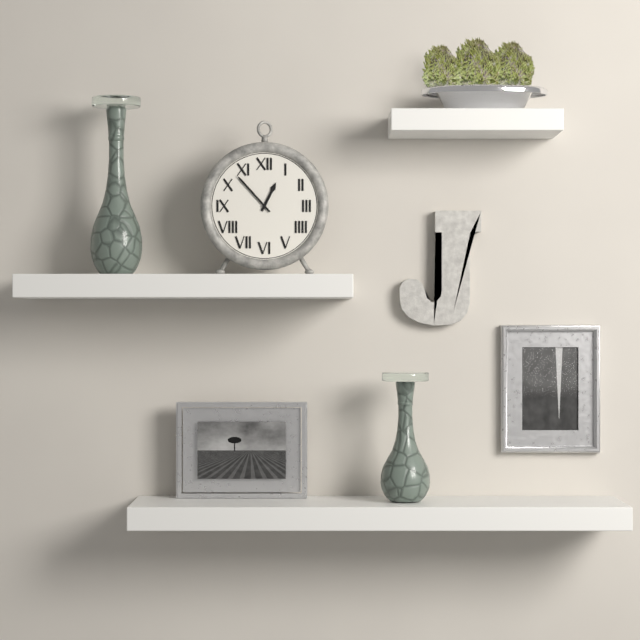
{"hour": 12, "minute": 53}
